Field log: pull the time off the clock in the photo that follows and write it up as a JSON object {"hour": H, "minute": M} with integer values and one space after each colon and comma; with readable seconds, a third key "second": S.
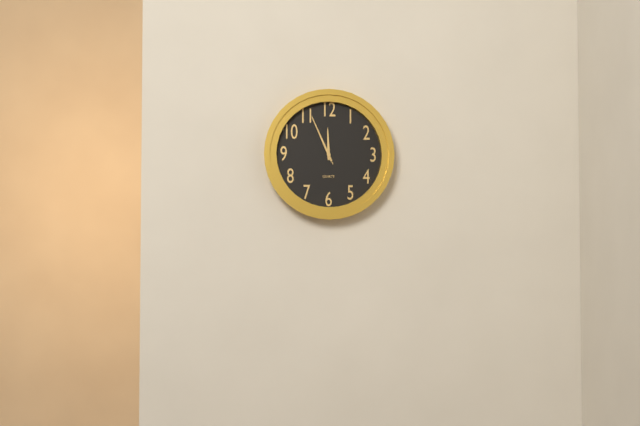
{"hour": 11, "minute": 56}
